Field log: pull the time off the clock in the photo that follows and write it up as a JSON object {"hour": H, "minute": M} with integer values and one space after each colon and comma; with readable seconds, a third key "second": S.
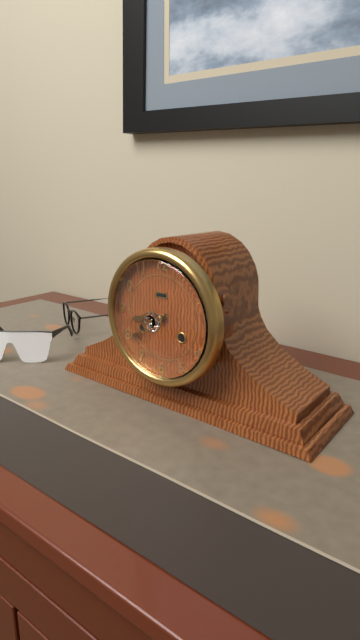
{"hour": 8, "minute": 39}
